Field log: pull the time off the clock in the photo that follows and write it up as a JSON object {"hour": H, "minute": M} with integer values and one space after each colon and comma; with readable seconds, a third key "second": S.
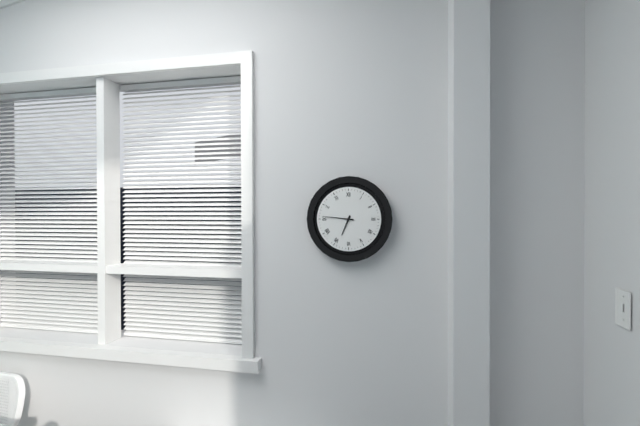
{"hour": 6, "minute": 46}
